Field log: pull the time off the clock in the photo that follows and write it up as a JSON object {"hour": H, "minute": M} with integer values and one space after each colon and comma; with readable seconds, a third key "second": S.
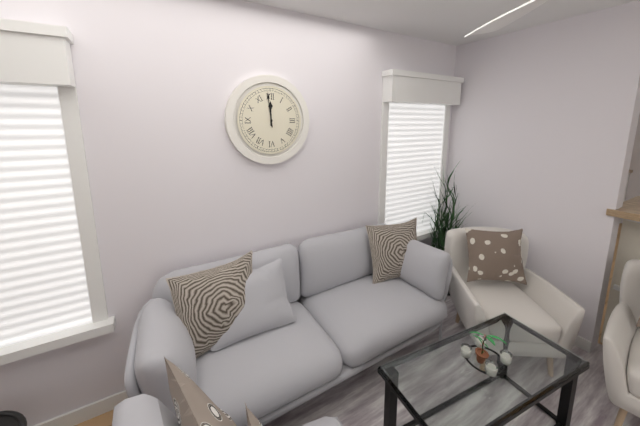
{"hour": 11, "minute": 59}
